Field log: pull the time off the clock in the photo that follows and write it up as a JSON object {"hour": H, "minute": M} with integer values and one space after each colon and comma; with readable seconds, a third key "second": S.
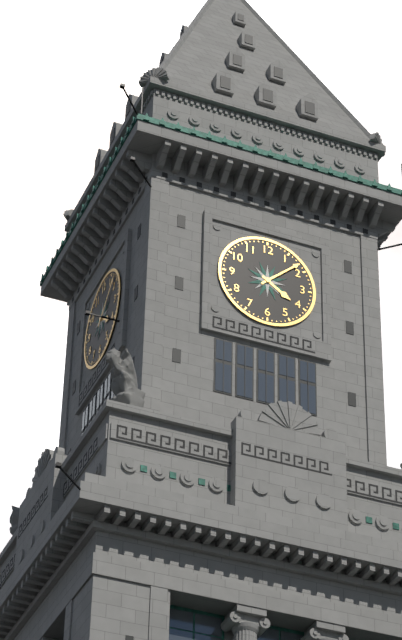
{"hour": 4, "minute": 8}
